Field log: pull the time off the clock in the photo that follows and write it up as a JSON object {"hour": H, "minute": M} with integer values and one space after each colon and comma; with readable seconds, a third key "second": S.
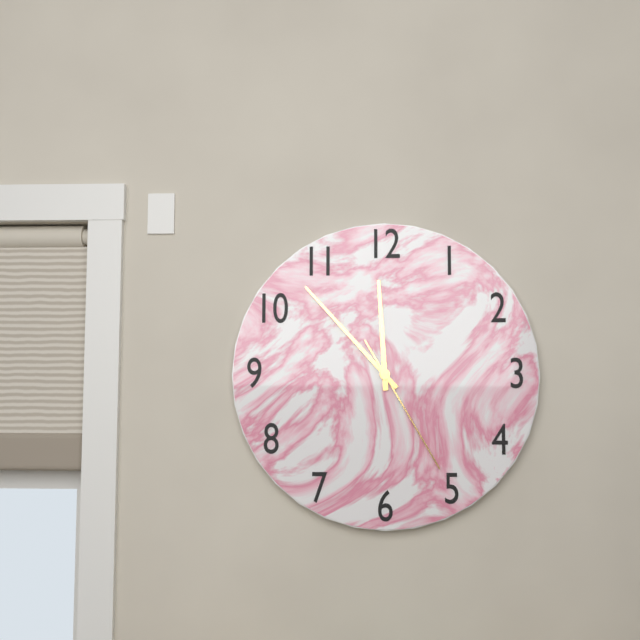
{"hour": 11, "minute": 53, "second": 25}
